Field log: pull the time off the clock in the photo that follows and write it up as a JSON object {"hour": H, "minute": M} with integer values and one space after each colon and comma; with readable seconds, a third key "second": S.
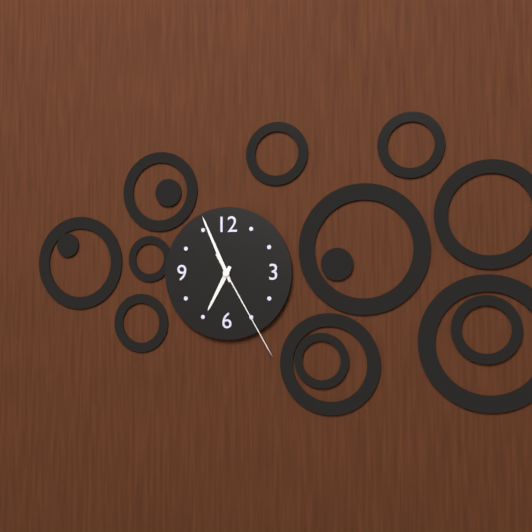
{"hour": 6, "minute": 56, "second": 25}
